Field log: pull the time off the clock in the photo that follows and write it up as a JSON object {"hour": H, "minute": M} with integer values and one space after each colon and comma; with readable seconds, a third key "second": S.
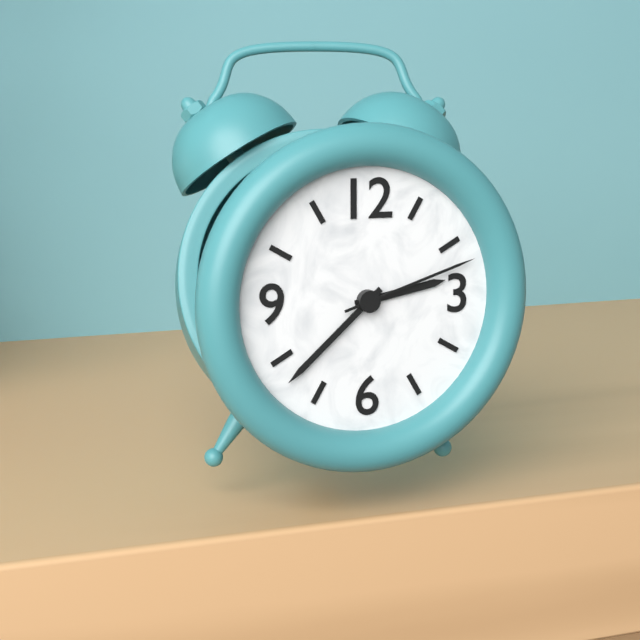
{"hour": 2, "minute": 38, "second": 12}
